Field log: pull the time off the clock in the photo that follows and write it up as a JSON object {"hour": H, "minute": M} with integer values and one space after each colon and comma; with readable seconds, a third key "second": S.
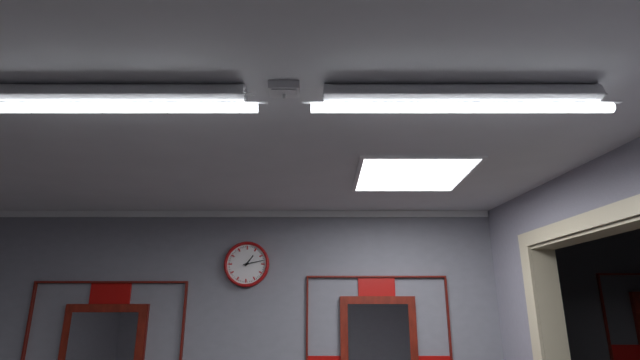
{"hour": 1, "minute": 13}
